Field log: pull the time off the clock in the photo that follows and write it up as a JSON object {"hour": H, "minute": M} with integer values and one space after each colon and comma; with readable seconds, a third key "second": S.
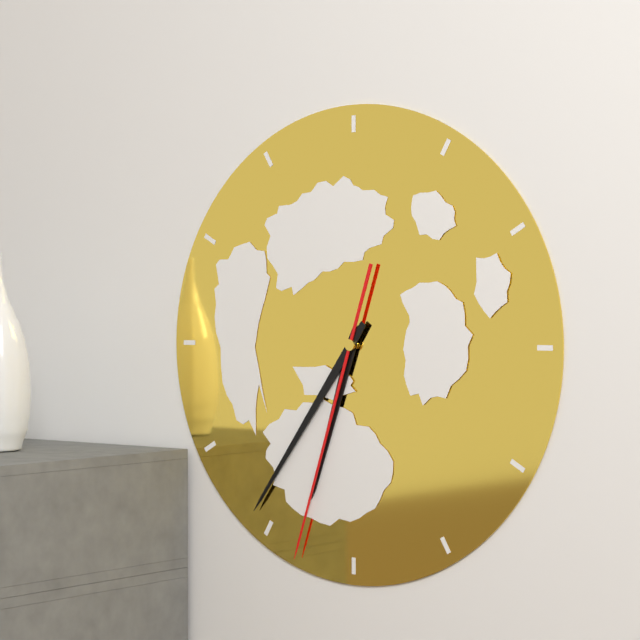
{"hour": 6, "minute": 36, "second": 33}
